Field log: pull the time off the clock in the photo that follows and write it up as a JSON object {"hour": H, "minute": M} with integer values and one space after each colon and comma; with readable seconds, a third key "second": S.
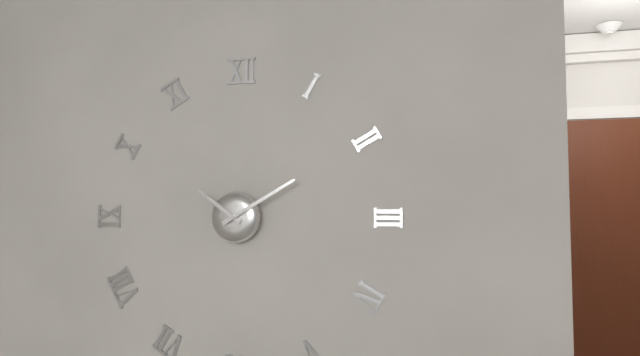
{"hour": 10, "minute": 10}
